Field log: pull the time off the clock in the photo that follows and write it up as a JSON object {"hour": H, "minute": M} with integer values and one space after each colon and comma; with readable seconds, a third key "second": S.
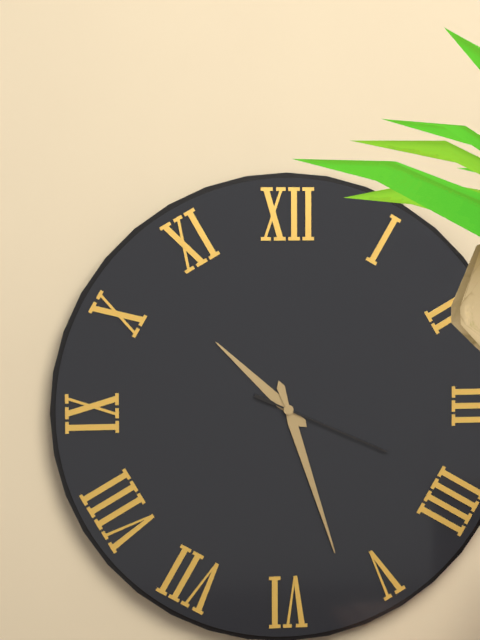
{"hour": 10, "minute": 27, "second": 19}
